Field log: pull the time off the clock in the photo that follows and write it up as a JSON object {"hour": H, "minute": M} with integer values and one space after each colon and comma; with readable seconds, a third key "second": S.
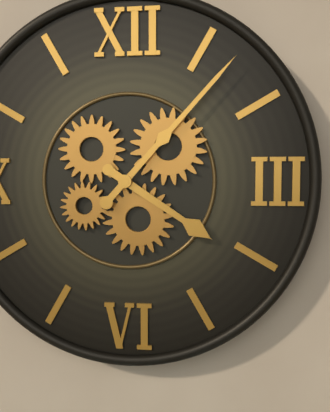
{"hour": 4, "minute": 7}
